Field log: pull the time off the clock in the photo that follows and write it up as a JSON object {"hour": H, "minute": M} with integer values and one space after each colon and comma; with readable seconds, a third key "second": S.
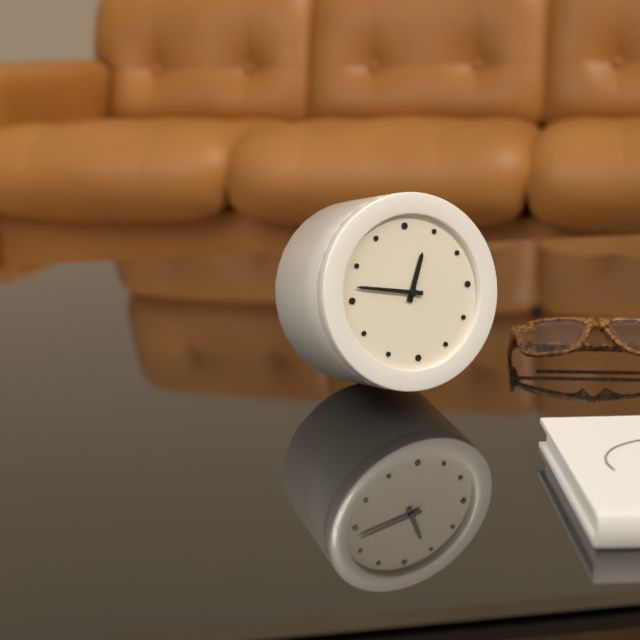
{"hour": 12, "minute": 47}
